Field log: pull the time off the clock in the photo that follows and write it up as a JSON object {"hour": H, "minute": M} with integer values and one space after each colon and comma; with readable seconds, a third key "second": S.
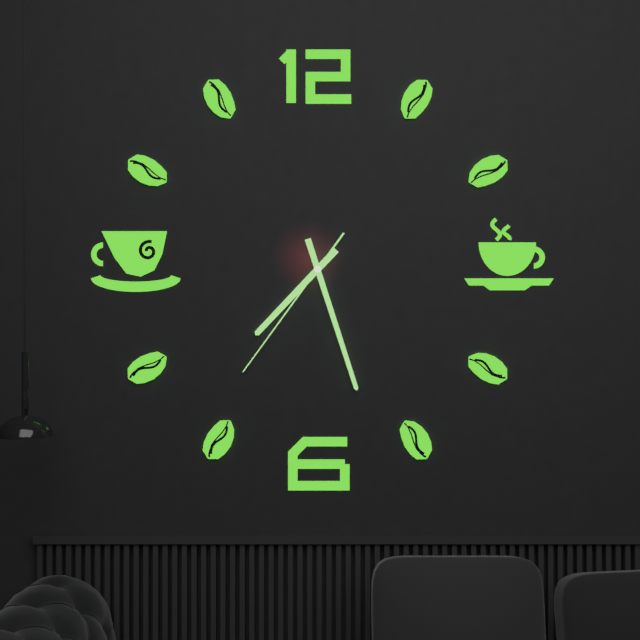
{"hour": 7, "minute": 27, "second": 36}
